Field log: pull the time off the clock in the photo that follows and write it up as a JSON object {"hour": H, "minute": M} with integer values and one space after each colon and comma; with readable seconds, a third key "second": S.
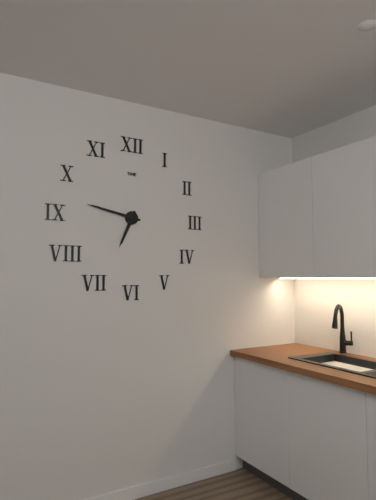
{"hour": 6, "minute": 47}
